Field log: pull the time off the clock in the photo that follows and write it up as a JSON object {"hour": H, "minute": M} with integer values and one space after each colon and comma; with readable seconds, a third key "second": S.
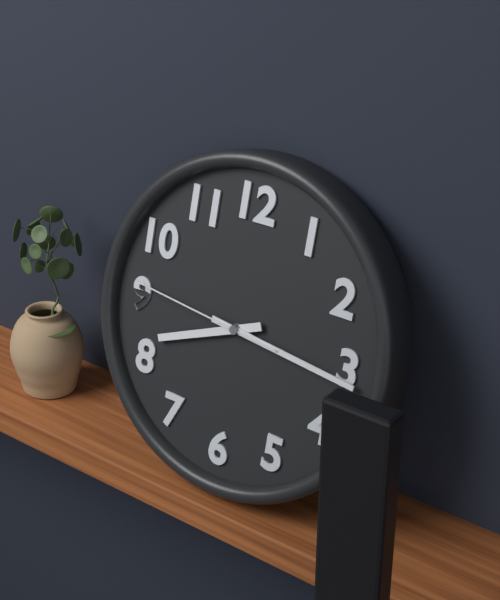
{"hour": 8, "minute": 16, "second": 46}
